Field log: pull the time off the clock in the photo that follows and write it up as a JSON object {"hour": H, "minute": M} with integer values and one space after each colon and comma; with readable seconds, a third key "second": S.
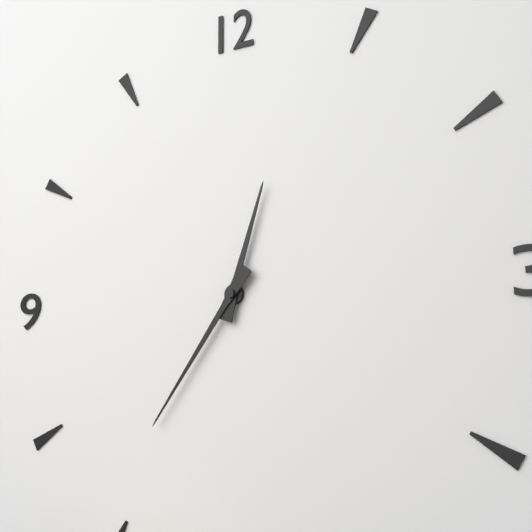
{"hour": 12, "minute": 36}
